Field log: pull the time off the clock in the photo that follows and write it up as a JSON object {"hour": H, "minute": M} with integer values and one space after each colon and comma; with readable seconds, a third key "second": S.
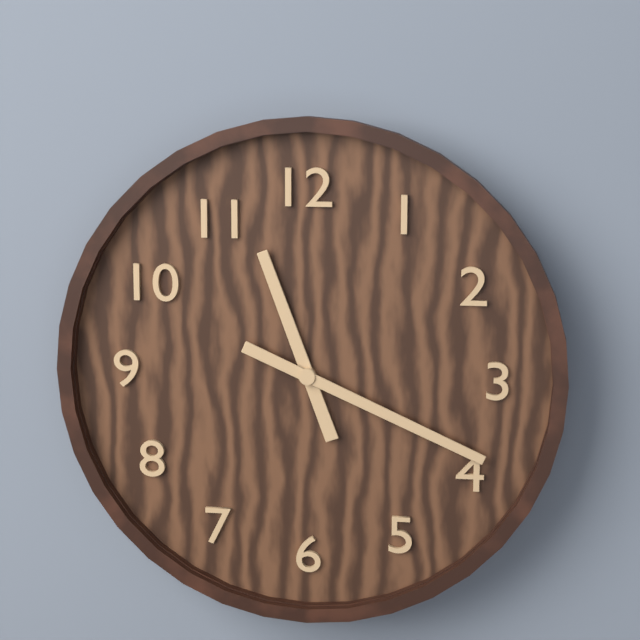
{"hour": 11, "minute": 19}
